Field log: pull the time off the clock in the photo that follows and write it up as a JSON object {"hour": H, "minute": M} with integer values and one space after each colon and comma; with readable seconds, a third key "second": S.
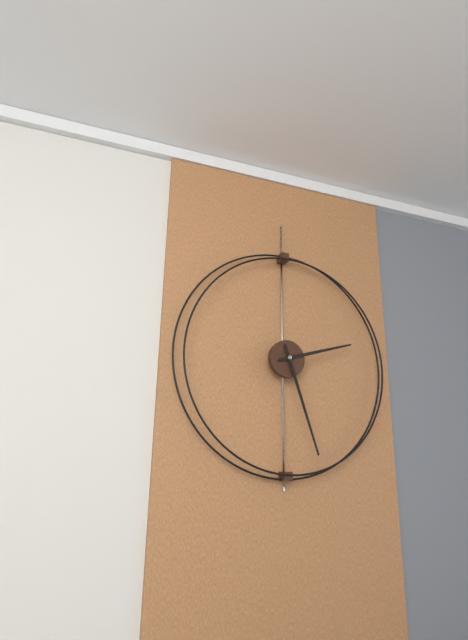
{"hour": 2, "minute": 27}
